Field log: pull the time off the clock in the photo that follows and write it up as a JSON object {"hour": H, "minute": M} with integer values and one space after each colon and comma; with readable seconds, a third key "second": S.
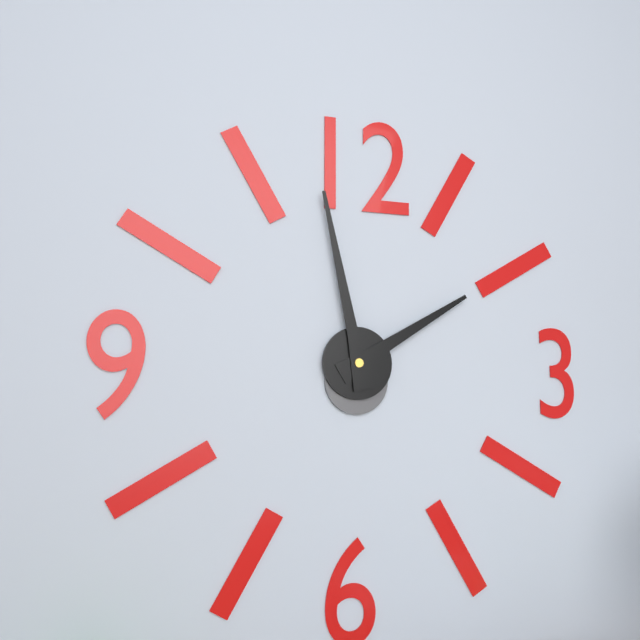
{"hour": 1, "minute": 58}
